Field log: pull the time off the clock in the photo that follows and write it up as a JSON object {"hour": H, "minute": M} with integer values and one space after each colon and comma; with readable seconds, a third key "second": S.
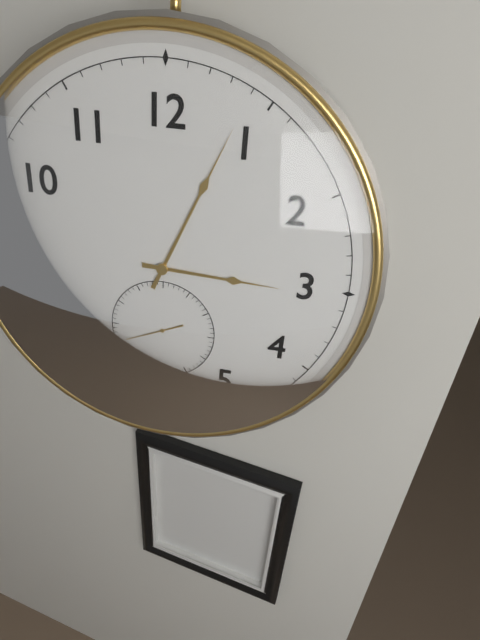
{"hour": 3, "minute": 4}
